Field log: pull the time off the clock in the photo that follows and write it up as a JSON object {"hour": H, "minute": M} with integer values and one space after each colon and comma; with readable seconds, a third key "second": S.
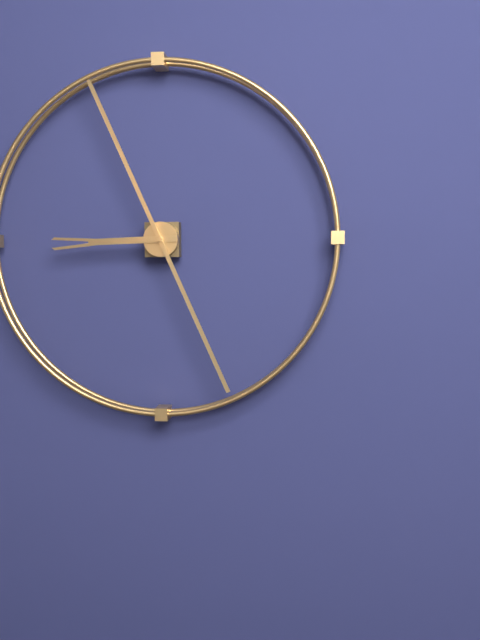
{"hour": 8, "minute": 56}
